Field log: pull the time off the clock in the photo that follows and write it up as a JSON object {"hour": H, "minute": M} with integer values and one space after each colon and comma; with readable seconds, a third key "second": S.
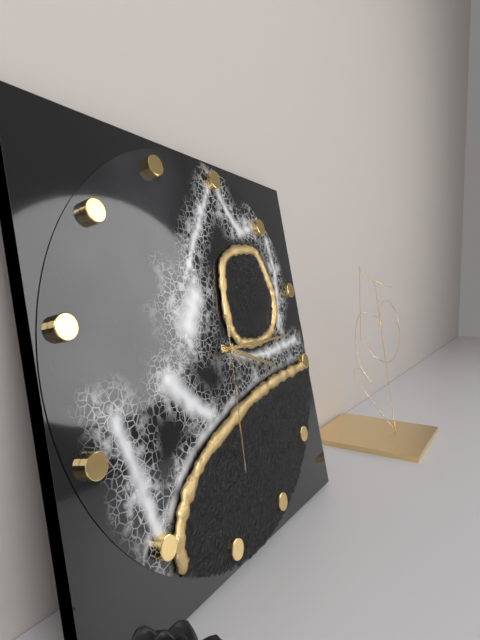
{"hour": 3, "minute": 13, "second": 29}
